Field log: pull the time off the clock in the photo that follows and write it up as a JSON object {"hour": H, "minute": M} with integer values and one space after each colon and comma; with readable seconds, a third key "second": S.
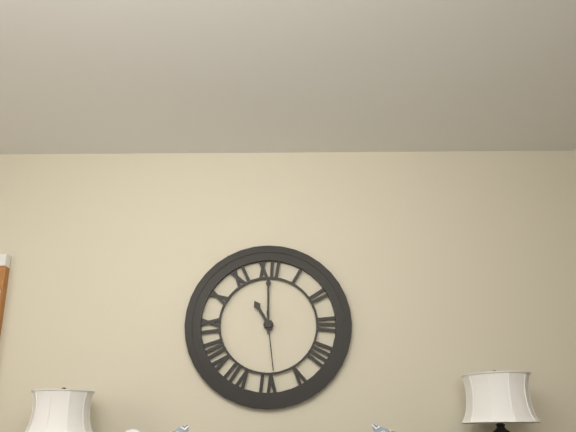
{"hour": 11, "minute": 0, "second": 29}
